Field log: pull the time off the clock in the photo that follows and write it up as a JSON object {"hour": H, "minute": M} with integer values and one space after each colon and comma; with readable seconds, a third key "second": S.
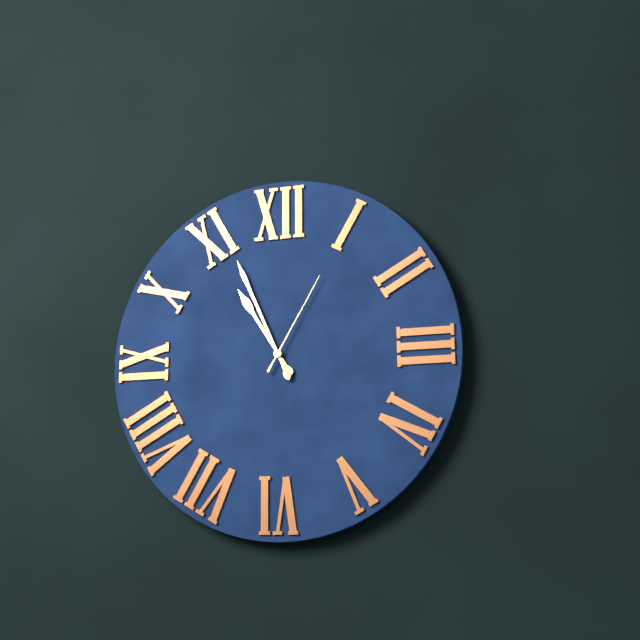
{"hour": 10, "minute": 56, "second": 5}
